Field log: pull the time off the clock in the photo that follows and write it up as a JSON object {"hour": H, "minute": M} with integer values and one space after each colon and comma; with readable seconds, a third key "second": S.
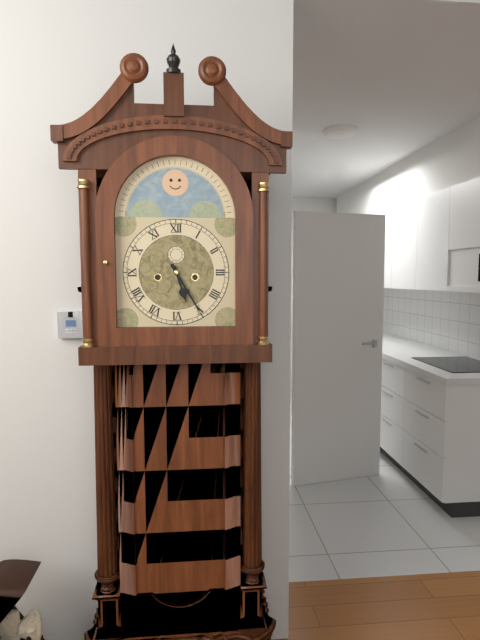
{"hour": 5, "minute": 25}
